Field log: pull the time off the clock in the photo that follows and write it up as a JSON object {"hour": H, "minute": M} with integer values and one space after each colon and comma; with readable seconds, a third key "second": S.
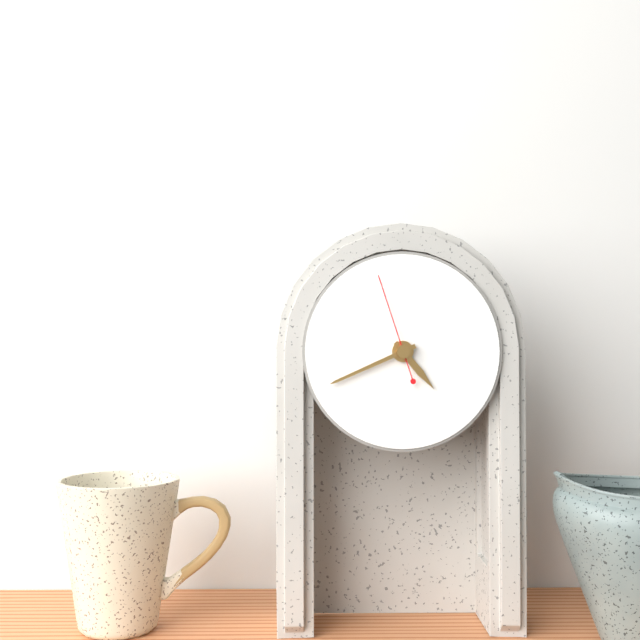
{"hour": 4, "minute": 41, "second": 57}
